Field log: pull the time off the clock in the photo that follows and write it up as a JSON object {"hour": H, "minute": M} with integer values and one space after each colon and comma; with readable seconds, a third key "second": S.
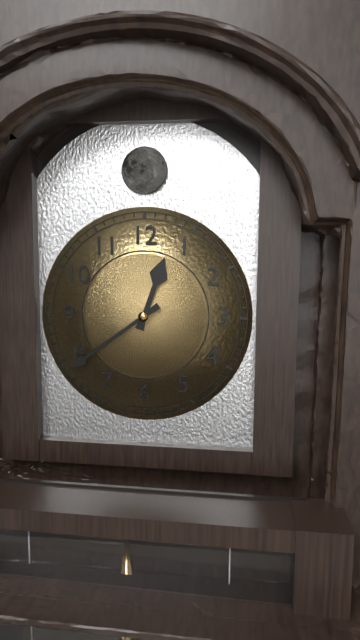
{"hour": 12, "minute": 39}
